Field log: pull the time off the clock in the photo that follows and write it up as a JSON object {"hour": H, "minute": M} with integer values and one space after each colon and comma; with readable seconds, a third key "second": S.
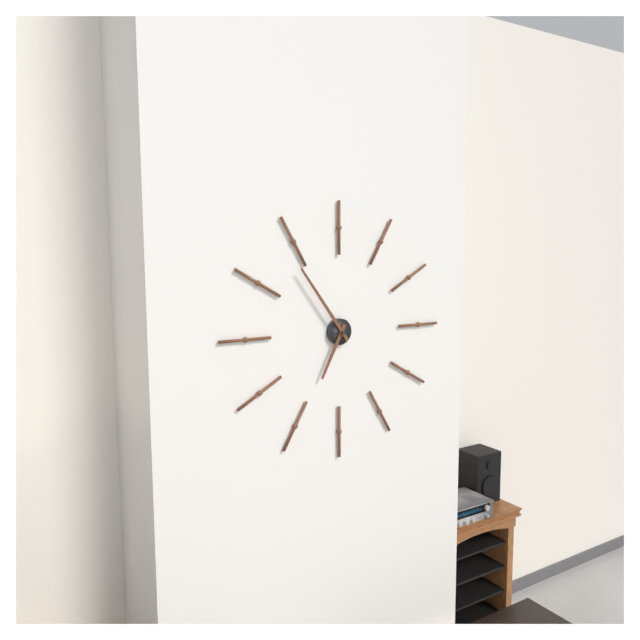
{"hour": 6, "minute": 54}
